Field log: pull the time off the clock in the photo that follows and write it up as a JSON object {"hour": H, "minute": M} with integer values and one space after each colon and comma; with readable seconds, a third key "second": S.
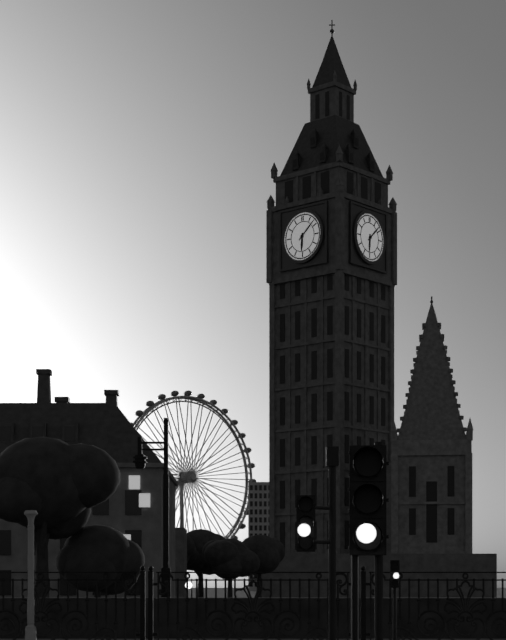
{"hour": 6, "minute": 8}
